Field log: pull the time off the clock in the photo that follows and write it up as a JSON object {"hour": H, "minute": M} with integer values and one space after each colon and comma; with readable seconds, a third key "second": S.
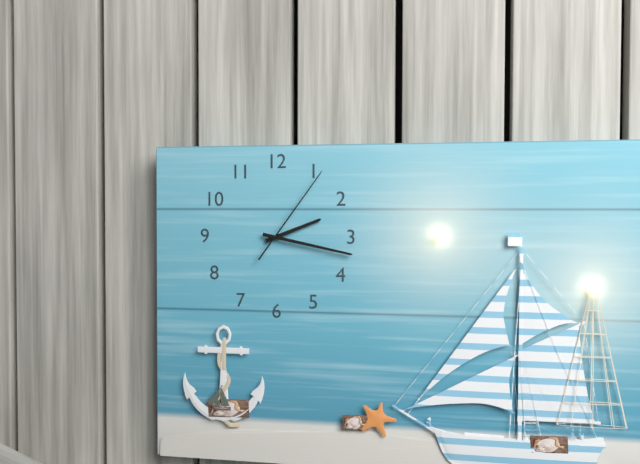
{"hour": 2, "minute": 17, "second": 6}
